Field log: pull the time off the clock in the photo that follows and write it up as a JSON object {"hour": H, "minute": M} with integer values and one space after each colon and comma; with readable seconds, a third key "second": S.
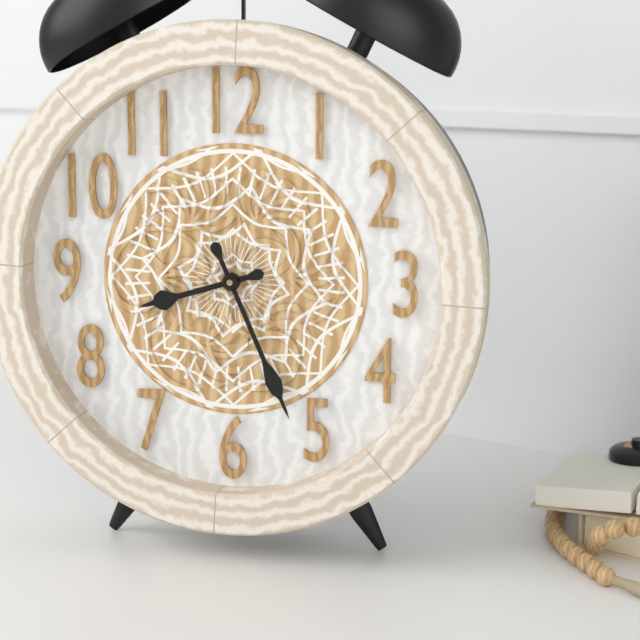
{"hour": 8, "minute": 26}
